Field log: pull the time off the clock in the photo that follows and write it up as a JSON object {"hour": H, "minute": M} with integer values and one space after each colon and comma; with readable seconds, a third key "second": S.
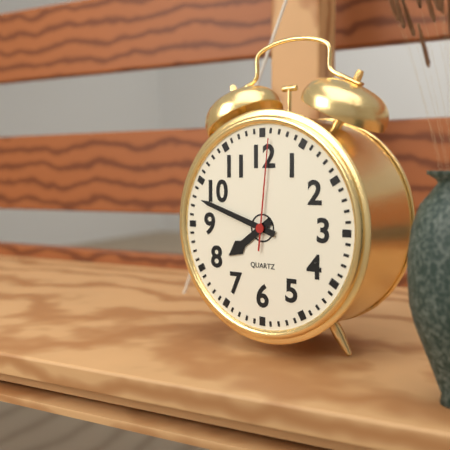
{"hour": 7, "minute": 48, "second": 1}
